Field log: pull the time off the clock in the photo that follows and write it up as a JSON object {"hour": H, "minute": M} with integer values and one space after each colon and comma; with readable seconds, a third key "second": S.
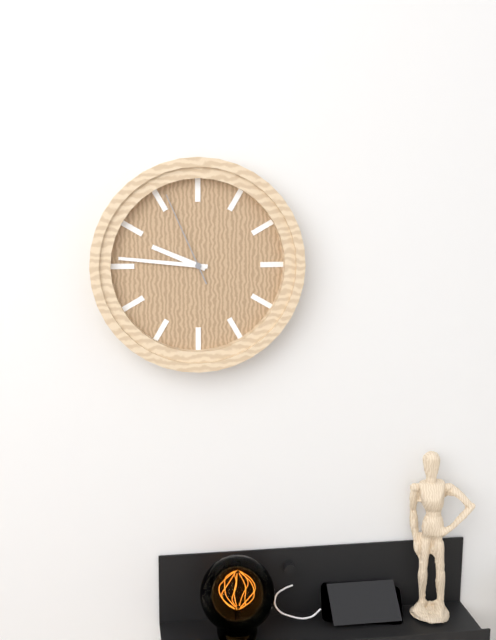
{"hour": 9, "minute": 46, "second": 56}
